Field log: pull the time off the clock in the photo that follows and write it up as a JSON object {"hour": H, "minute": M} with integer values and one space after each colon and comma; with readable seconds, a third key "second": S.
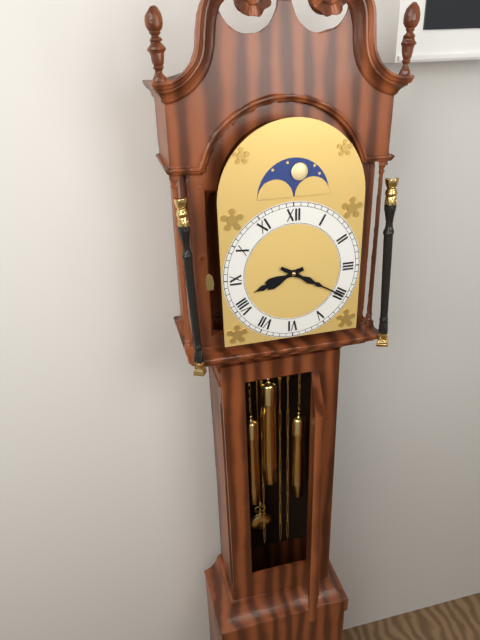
{"hour": 8, "minute": 20}
